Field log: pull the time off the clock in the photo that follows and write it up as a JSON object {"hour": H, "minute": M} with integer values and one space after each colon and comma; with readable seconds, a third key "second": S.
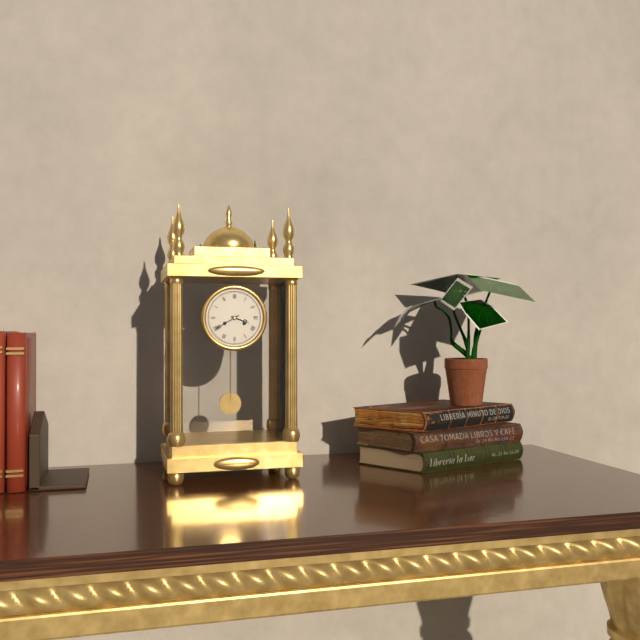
{"hour": 3, "minute": 40}
